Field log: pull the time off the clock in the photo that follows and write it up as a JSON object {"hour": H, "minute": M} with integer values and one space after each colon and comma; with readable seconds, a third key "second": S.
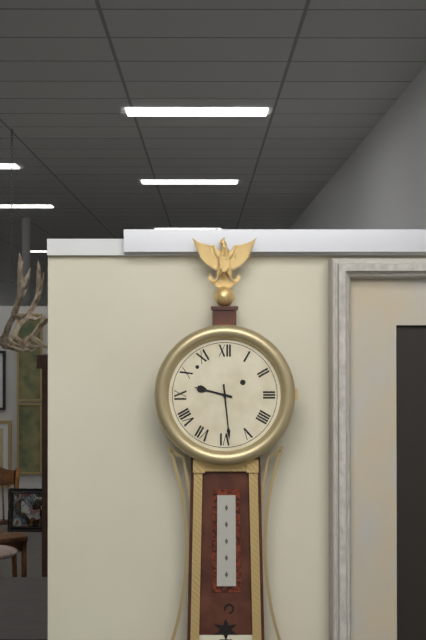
{"hour": 9, "minute": 29}
